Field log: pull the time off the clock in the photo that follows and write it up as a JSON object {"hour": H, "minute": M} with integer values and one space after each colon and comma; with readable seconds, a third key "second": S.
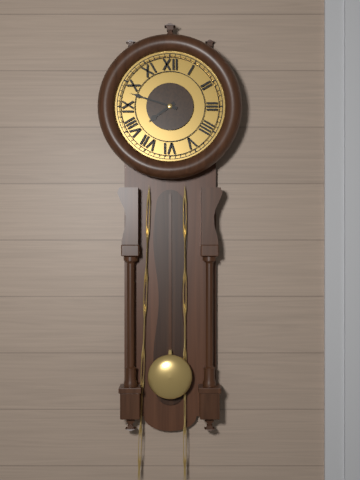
{"hour": 7, "minute": 48}
